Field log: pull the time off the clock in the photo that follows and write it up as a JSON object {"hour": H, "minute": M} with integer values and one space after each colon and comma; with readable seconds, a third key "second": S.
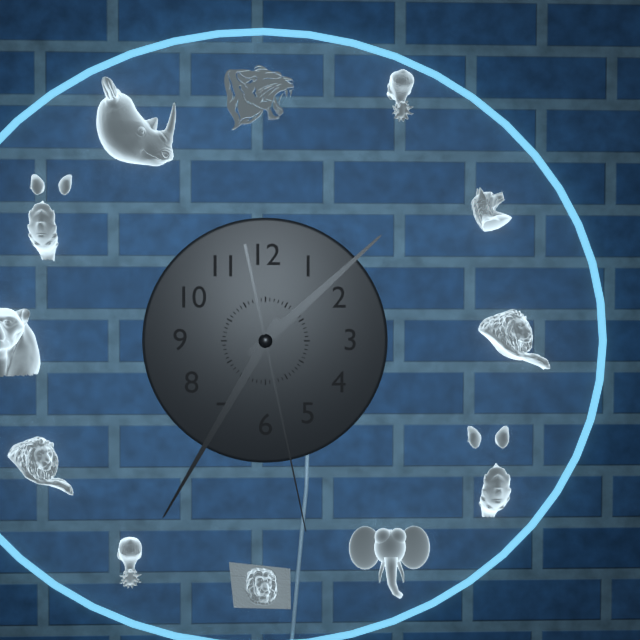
{"hour": 1, "minute": 35, "second": 28}
